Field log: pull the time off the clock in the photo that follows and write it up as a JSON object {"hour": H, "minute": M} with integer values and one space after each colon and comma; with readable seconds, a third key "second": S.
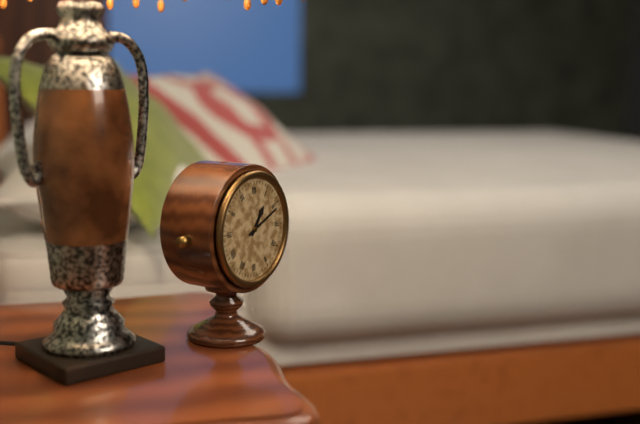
{"hour": 1, "minute": 11}
